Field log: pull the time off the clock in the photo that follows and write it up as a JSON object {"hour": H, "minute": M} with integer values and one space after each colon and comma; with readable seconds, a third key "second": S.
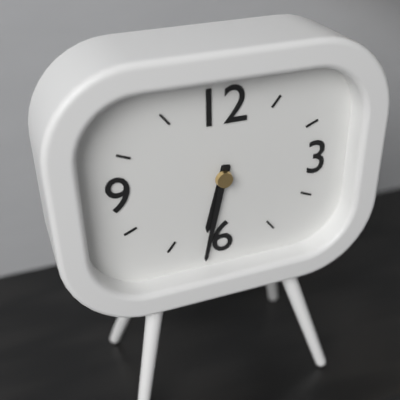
{"hour": 6, "minute": 32}
